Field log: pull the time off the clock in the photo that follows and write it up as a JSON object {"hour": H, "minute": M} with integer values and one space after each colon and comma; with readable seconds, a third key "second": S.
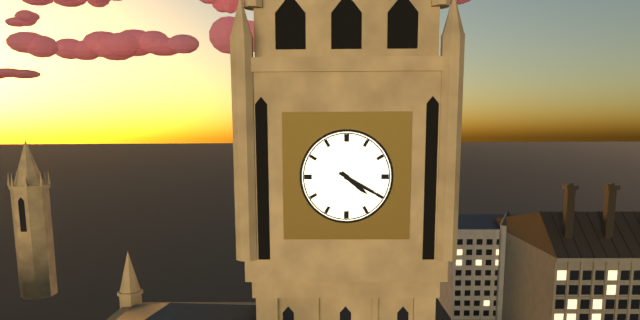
{"hour": 4, "minute": 20}
